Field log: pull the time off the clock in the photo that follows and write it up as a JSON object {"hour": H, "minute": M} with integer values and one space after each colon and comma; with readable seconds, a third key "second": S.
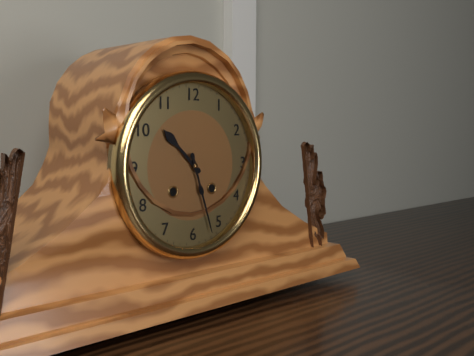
{"hour": 10, "minute": 27}
